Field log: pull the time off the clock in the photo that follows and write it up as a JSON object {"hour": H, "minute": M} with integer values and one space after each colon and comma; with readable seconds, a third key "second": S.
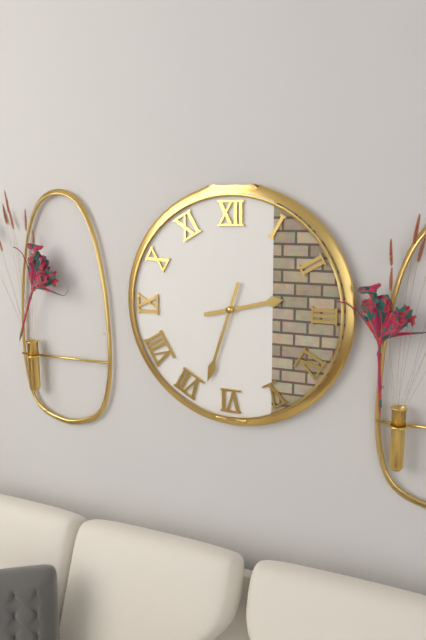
{"hour": 2, "minute": 33}
